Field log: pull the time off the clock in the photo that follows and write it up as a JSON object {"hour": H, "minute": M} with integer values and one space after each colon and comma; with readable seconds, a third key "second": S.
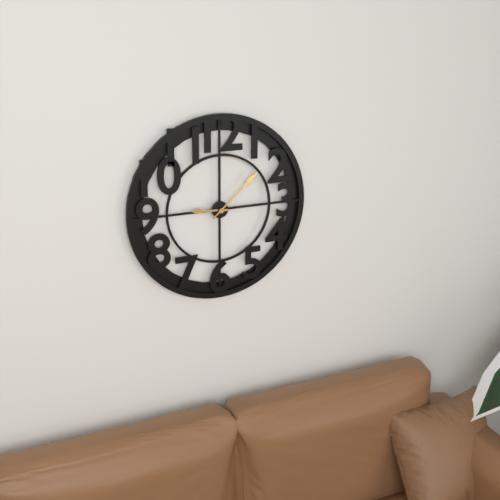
{"hour": 9, "minute": 8}
